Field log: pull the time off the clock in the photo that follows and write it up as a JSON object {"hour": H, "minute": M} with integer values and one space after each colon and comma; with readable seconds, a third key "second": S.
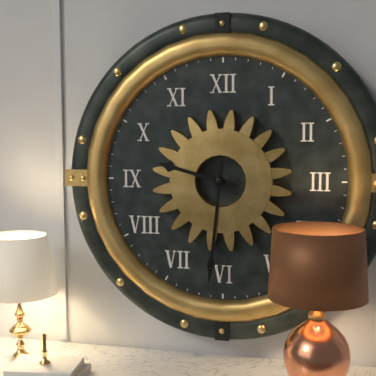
{"hour": 9, "minute": 31}
